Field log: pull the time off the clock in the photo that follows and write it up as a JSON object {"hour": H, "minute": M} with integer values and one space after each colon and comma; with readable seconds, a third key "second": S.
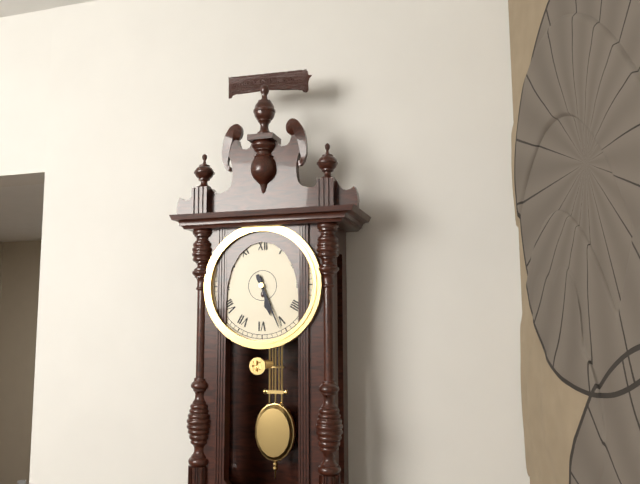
{"hour": 5, "minute": 26}
